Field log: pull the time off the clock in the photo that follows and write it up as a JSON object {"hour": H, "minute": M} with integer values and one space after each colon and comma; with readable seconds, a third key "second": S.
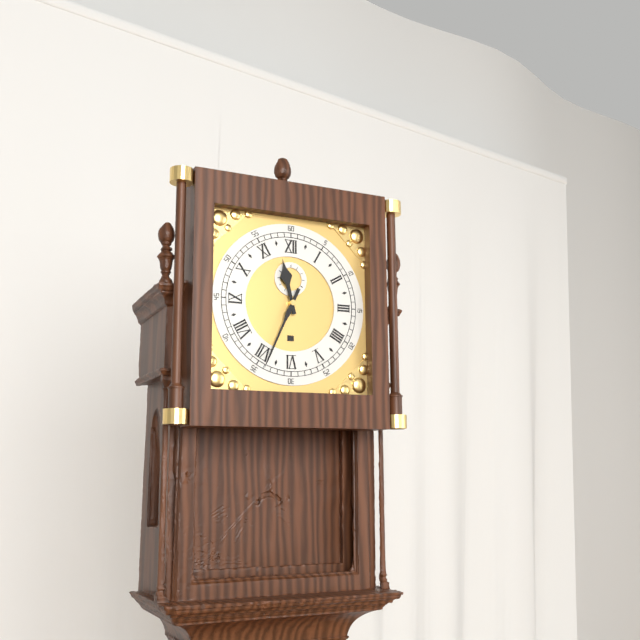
{"hour": 11, "minute": 34}
